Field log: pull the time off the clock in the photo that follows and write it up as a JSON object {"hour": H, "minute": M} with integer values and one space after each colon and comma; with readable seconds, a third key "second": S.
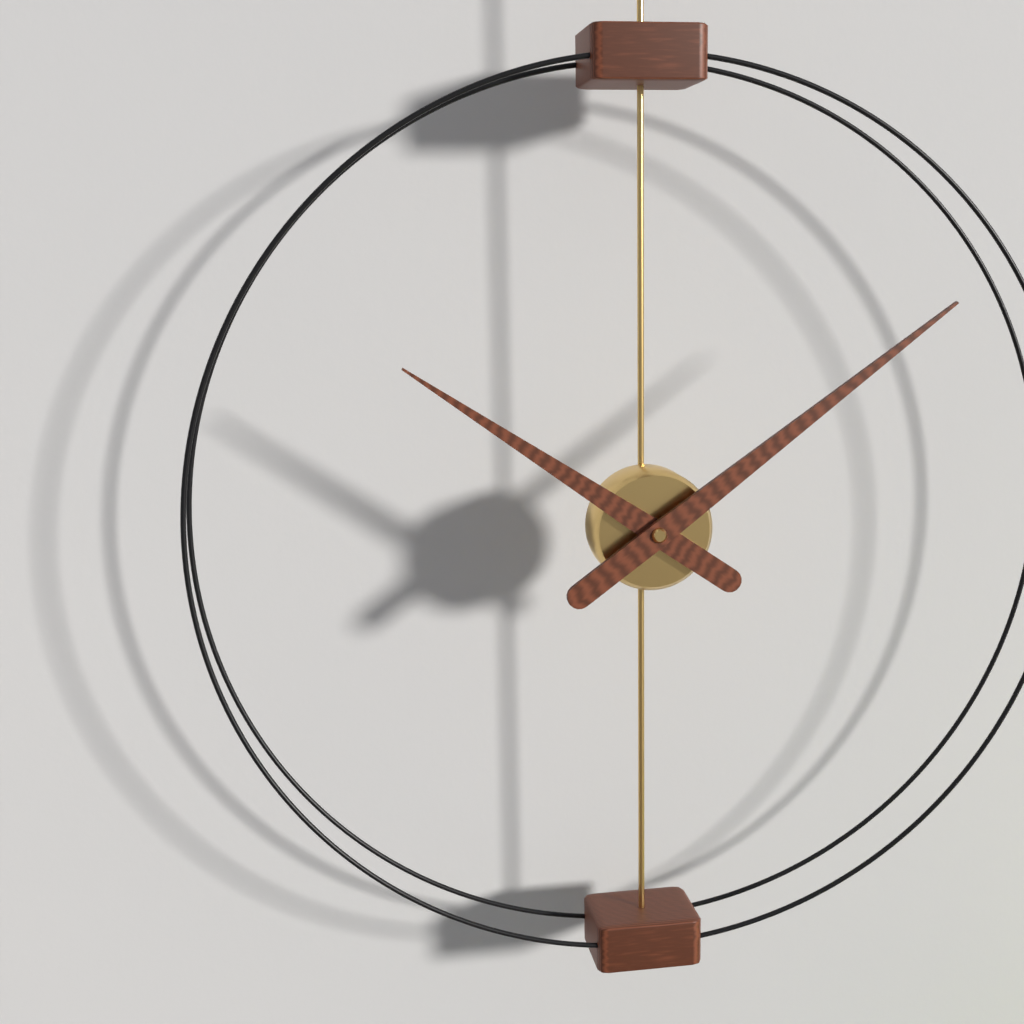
{"hour": 10, "minute": 9}
